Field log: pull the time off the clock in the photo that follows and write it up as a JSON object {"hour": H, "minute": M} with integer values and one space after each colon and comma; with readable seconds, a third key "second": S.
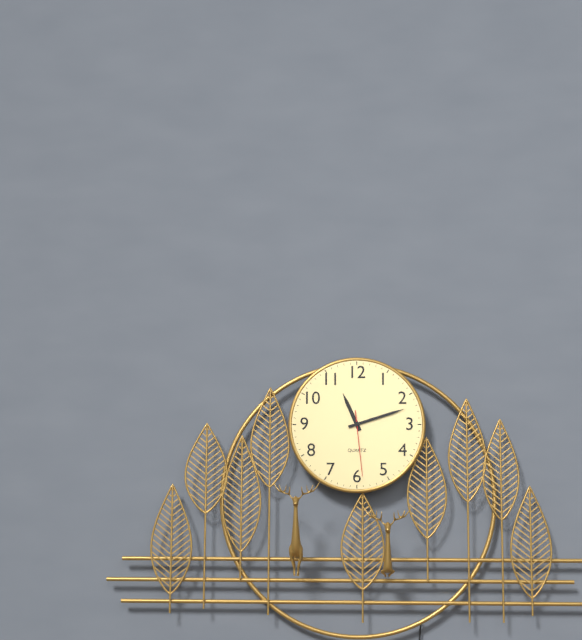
{"hour": 11, "minute": 12, "second": 29}
